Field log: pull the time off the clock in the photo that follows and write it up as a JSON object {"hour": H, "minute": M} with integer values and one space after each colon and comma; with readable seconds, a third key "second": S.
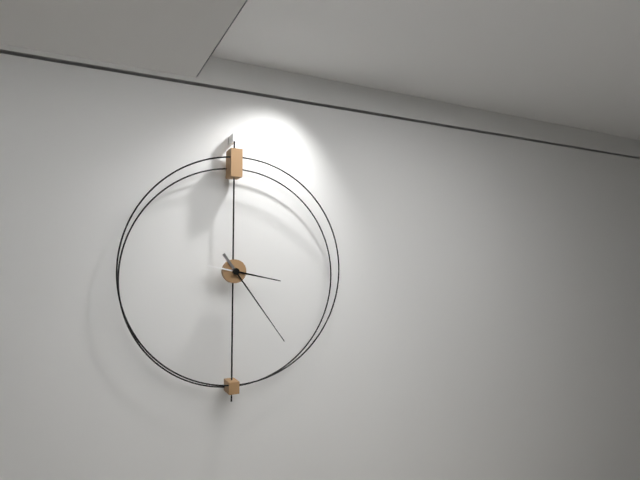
{"hour": 3, "minute": 24}
